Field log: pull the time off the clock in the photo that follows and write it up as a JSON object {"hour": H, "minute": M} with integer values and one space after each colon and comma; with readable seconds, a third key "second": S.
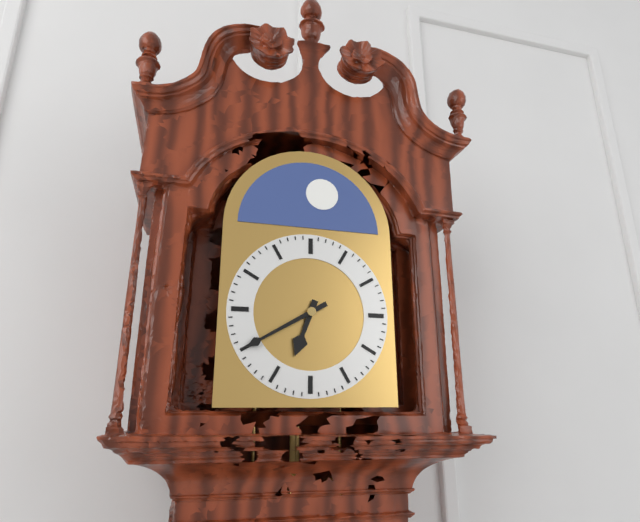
{"hour": 6, "minute": 40}
